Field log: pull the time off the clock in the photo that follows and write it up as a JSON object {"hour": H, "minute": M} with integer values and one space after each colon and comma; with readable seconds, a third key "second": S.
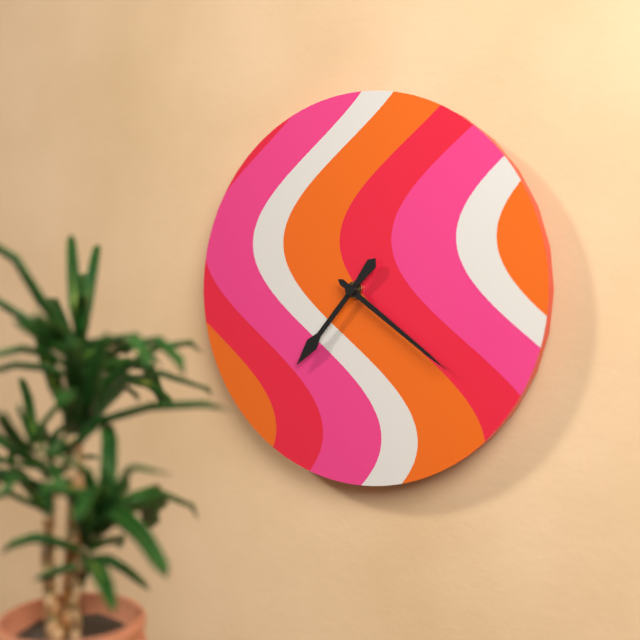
{"hour": 7, "minute": 21}
